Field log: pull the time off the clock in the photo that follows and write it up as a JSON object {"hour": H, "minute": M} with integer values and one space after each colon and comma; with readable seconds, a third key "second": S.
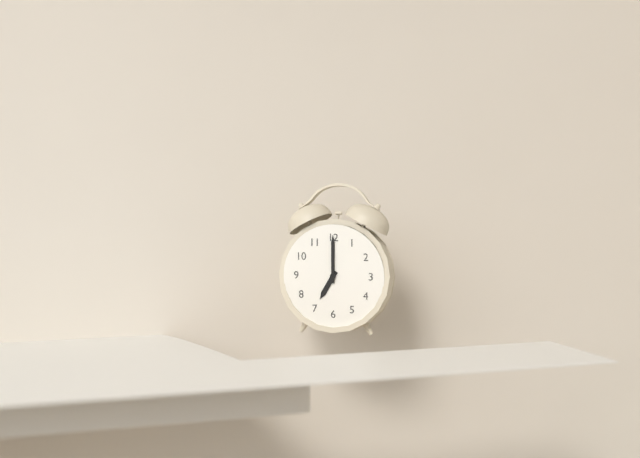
{"hour": 7, "minute": 0}
